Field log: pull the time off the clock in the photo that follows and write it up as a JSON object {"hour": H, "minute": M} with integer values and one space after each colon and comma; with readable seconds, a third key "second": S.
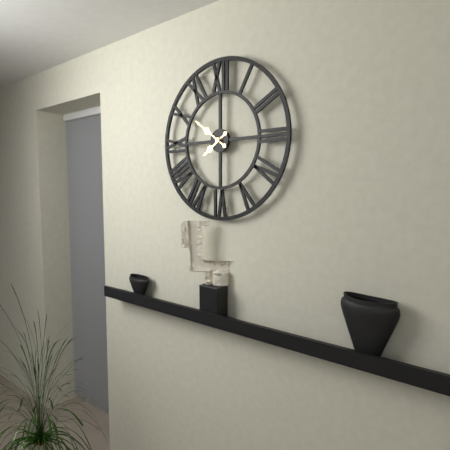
{"hour": 7, "minute": 51}
